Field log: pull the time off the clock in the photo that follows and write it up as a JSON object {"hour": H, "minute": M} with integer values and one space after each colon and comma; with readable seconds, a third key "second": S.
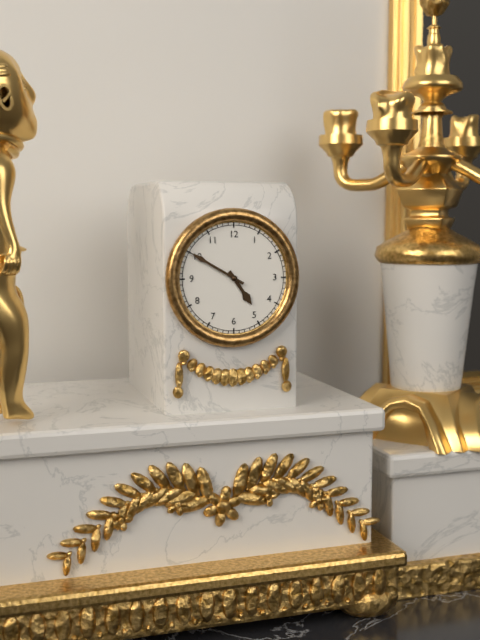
{"hour": 4, "minute": 50}
